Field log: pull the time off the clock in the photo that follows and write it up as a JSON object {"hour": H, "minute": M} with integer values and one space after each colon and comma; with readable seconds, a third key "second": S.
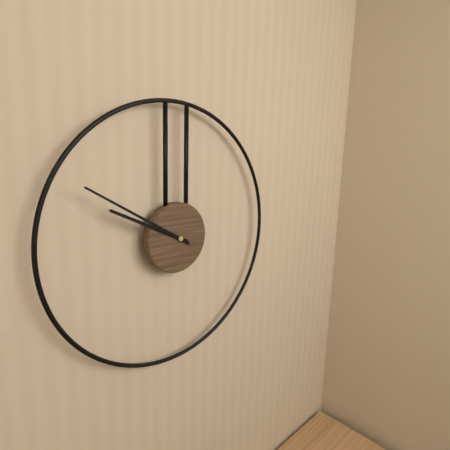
{"hour": 9, "minute": 50}
